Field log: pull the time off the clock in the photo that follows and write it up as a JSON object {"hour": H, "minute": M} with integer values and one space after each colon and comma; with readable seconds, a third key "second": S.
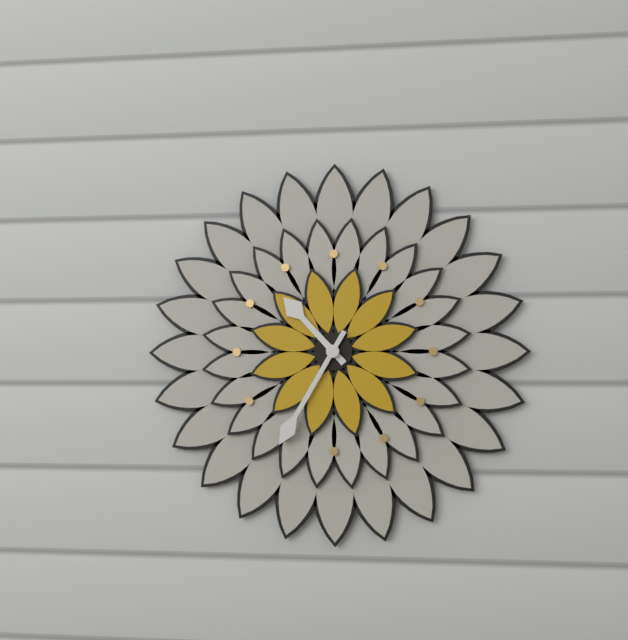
{"hour": 10, "minute": 35}
